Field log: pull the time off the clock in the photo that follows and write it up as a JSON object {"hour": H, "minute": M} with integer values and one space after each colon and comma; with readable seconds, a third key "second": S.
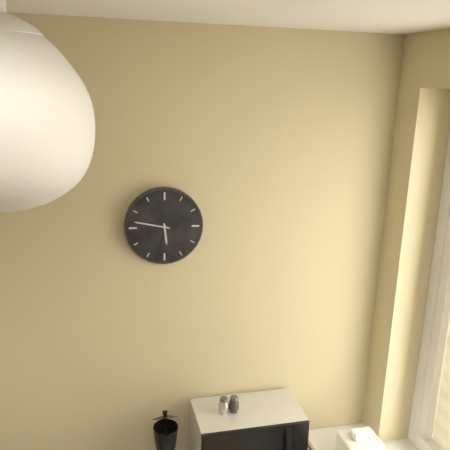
{"hour": 5, "minute": 47}
